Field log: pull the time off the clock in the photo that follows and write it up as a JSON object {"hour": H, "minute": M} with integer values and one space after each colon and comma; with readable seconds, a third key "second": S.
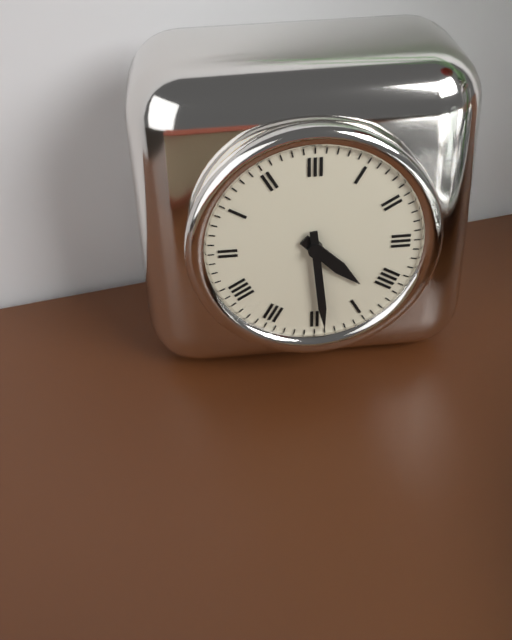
{"hour": 4, "minute": 29}
